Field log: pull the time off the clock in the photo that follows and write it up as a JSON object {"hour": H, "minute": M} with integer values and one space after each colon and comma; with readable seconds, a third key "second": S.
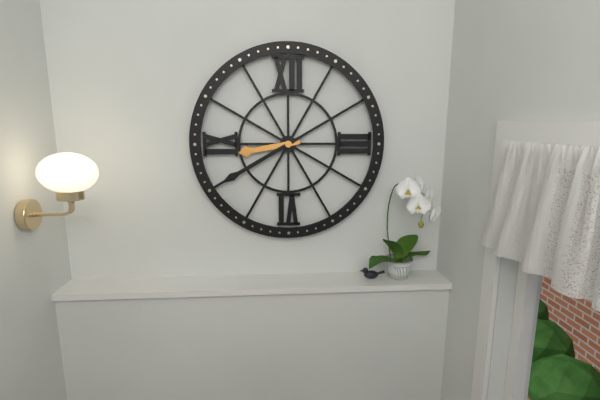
{"hour": 8, "minute": 40}
